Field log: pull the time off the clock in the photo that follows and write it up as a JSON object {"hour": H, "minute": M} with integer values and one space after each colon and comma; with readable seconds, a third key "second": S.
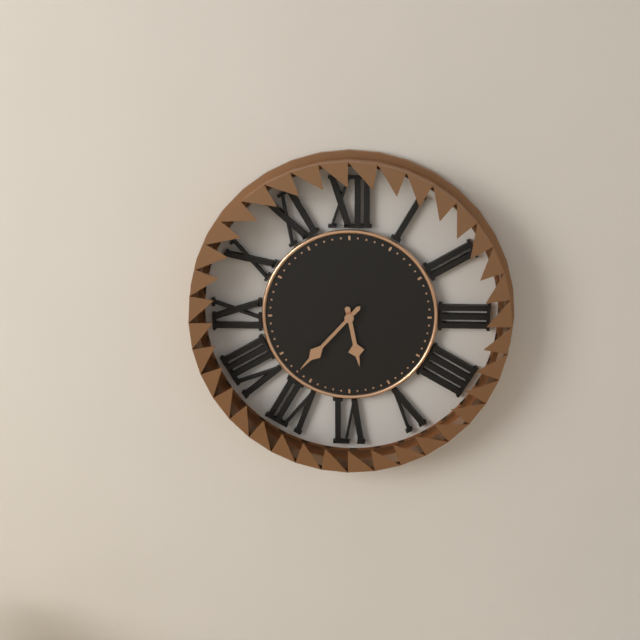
{"hour": 5, "minute": 37}
